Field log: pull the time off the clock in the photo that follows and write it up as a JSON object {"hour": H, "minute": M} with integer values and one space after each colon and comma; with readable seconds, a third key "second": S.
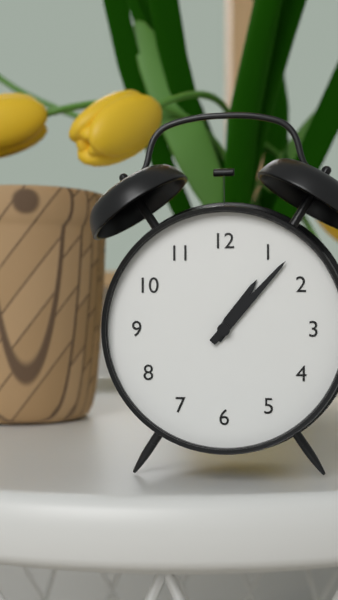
{"hour": 1, "minute": 7}
